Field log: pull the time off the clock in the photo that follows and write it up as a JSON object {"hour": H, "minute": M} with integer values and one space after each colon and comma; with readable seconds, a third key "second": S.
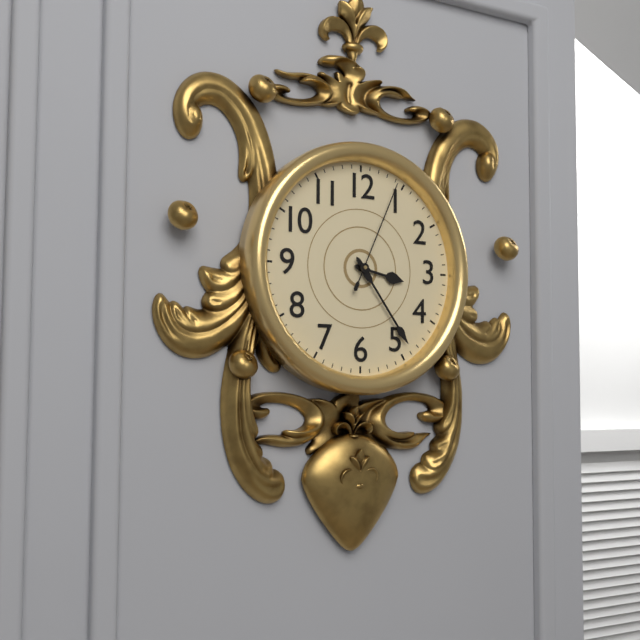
{"hour": 3, "minute": 24, "second": 4}
